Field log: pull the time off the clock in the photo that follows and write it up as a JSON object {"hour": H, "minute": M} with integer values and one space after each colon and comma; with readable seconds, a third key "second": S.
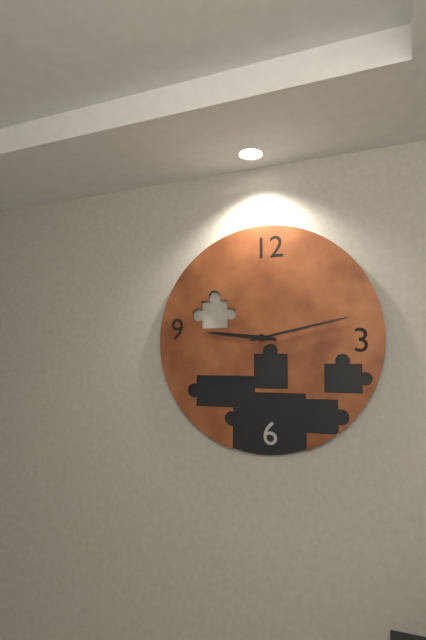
{"hour": 9, "minute": 13}
